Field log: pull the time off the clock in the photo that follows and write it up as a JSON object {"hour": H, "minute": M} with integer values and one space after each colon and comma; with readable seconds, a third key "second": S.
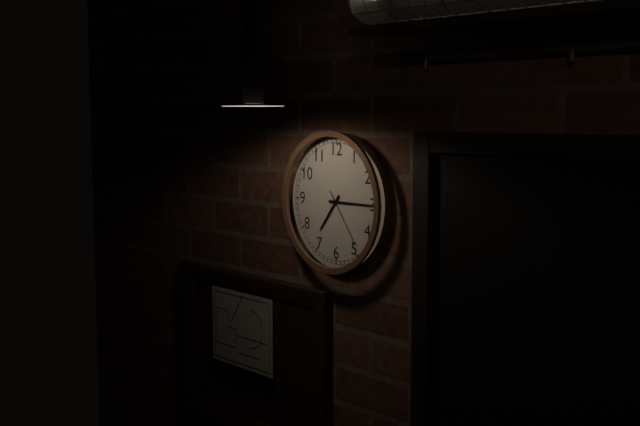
{"hour": 7, "minute": 15, "second": 24}
